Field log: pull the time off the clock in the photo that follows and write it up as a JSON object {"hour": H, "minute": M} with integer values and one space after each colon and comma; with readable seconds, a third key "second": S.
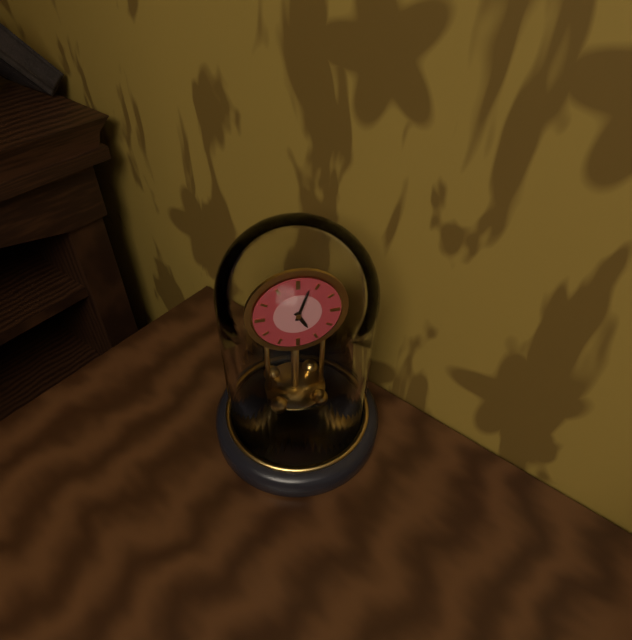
{"hour": 5, "minute": 3}
